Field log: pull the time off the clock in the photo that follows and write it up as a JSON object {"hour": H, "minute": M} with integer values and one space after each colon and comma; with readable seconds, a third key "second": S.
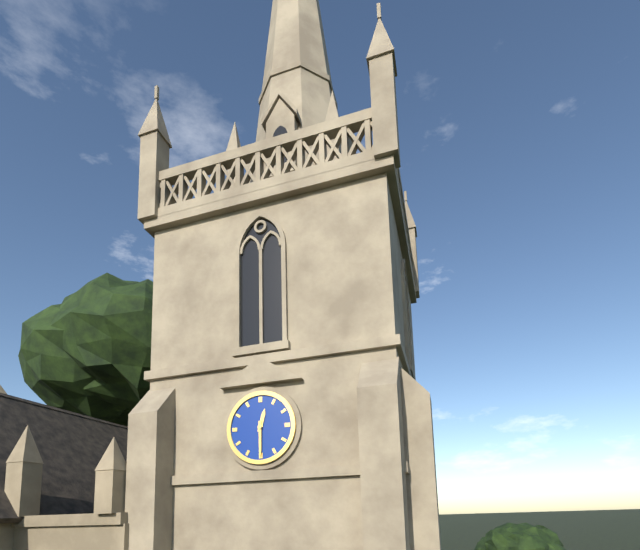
{"hour": 12, "minute": 30}
